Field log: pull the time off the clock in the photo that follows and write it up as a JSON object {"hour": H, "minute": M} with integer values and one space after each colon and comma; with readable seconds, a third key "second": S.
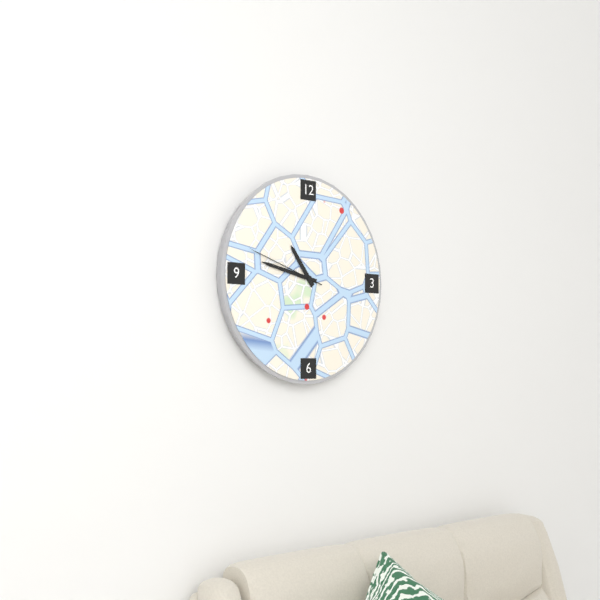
{"hour": 10, "minute": 47, "second": 48}
